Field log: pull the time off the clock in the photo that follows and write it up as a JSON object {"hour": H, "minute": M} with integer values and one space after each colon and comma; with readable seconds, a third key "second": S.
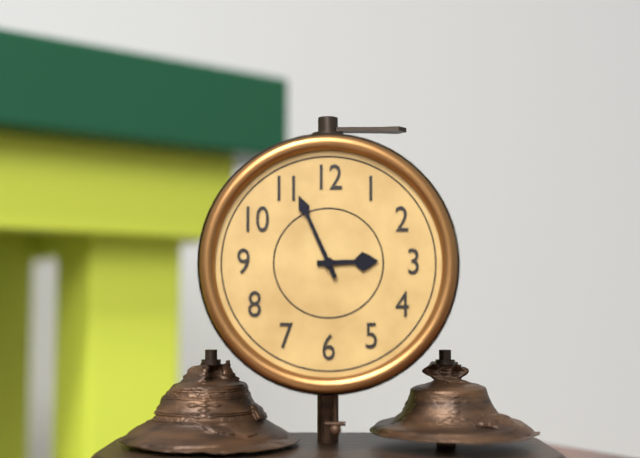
{"hour": 2, "minute": 56}
